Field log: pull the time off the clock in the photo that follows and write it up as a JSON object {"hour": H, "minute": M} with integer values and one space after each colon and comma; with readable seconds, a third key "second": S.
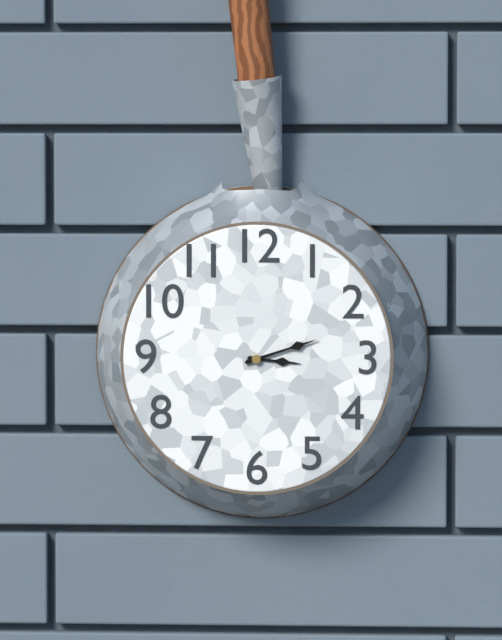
{"hour": 3, "minute": 12}
